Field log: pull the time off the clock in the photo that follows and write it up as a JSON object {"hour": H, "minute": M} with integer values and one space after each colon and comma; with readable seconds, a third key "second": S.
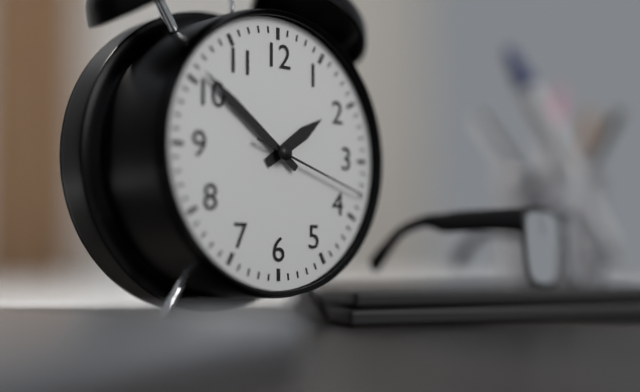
{"hour": 1, "minute": 51, "second": 18}
